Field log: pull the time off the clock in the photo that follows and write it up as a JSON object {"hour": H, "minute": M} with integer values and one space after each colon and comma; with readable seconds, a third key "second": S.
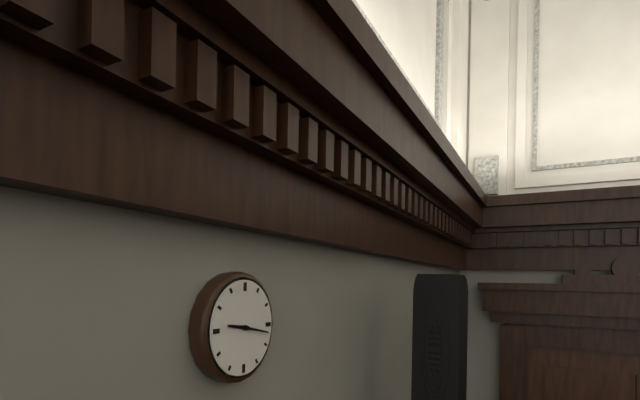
{"hour": 9, "minute": 17}
